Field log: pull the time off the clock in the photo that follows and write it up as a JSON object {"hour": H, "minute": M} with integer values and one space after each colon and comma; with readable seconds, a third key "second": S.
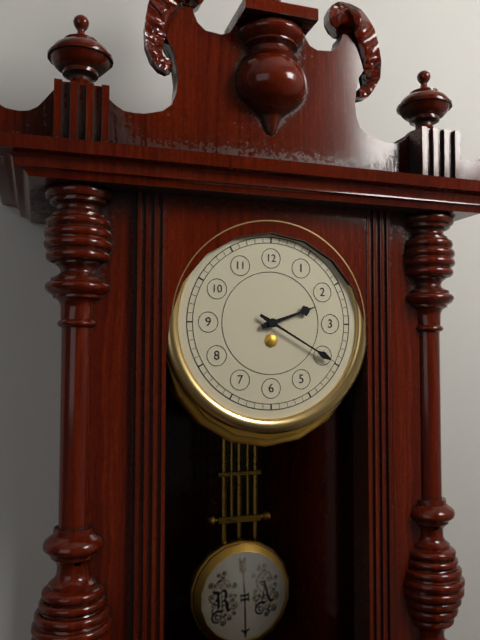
{"hour": 2, "minute": 20}
